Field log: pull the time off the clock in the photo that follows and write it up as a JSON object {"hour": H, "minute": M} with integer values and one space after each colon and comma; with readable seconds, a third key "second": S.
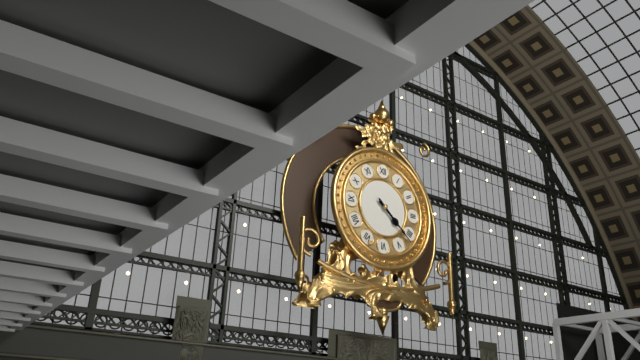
{"hour": 4, "minute": 22}
